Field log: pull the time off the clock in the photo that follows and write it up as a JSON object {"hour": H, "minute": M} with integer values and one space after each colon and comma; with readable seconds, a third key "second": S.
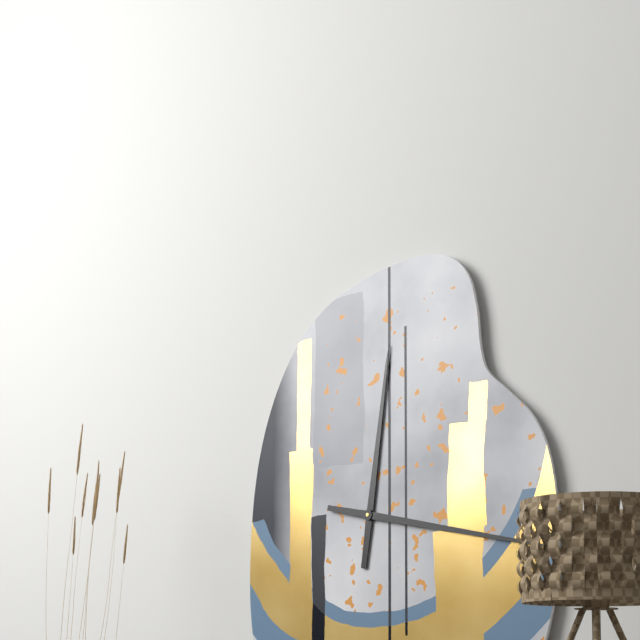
{"hour": 12, "minute": 17}
